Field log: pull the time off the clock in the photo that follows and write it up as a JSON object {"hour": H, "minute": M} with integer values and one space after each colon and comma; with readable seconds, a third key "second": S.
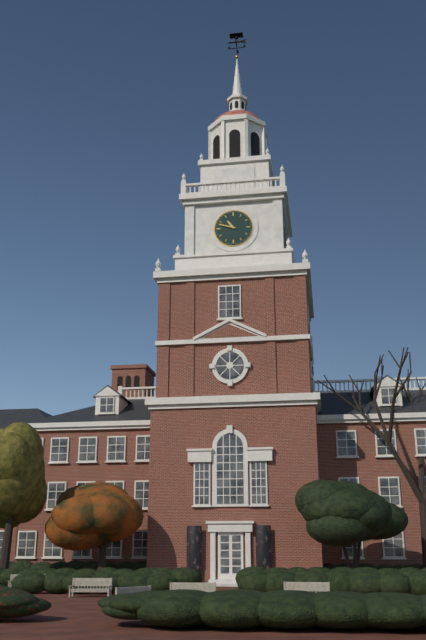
{"hour": 10, "minute": 48}
